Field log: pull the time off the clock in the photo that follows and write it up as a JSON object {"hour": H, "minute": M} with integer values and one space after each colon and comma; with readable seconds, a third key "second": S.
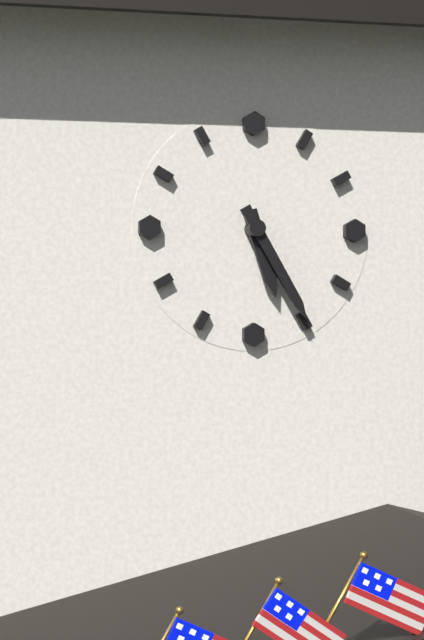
{"hour": 5, "minute": 25}
